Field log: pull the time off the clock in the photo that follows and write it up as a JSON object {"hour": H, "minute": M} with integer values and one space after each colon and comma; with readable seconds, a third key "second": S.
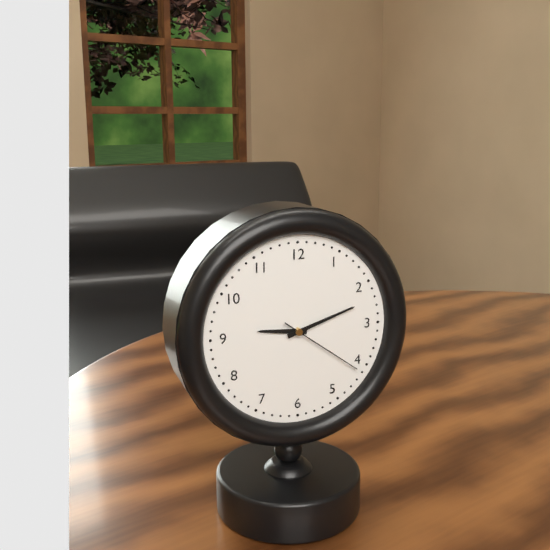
{"hour": 9, "minute": 12, "second": 21}
